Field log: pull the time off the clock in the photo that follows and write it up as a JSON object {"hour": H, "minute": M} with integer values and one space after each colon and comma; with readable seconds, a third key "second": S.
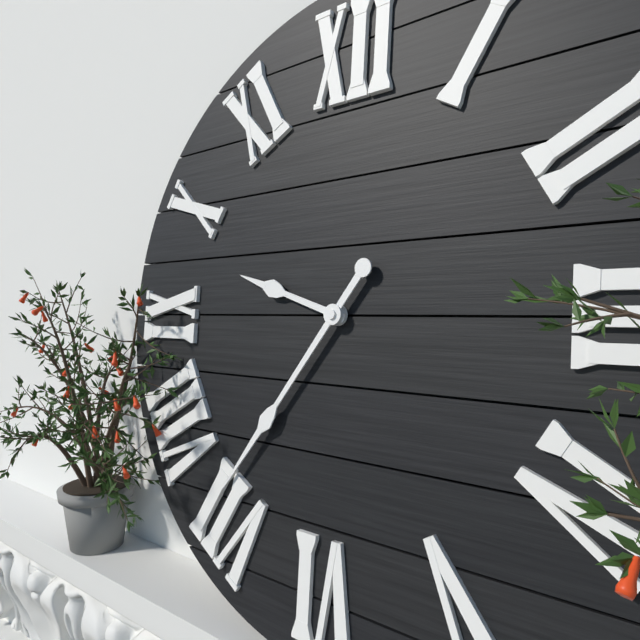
{"hour": 9, "minute": 36}
